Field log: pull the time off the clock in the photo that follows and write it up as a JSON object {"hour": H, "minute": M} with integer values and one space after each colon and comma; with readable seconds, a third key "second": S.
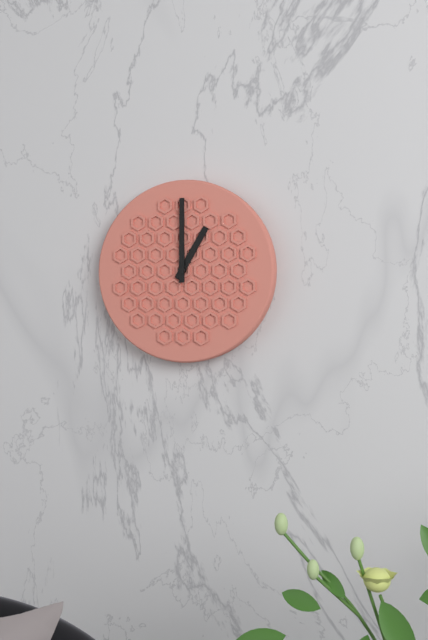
{"hour": 1, "minute": 0}
